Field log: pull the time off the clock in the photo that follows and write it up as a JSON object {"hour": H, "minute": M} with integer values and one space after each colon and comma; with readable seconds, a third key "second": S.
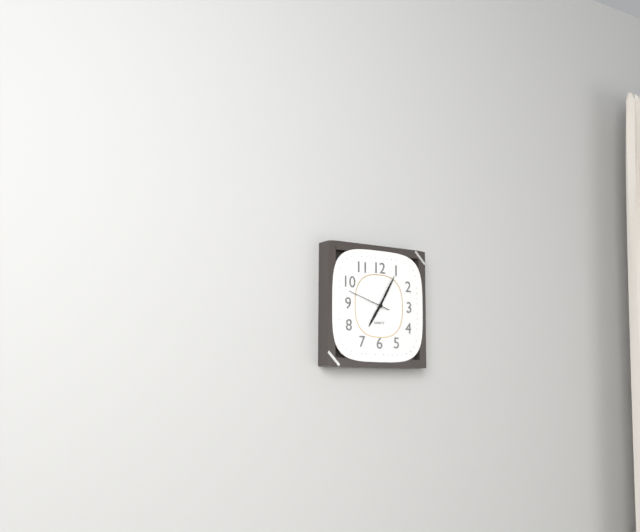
{"hour": 7, "minute": 5}
